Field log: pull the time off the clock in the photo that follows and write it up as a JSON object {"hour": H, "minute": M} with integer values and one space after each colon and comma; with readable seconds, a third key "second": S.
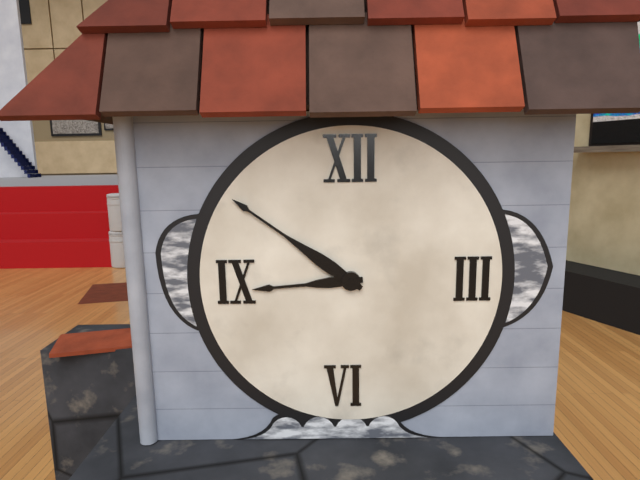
{"hour": 8, "minute": 51}
